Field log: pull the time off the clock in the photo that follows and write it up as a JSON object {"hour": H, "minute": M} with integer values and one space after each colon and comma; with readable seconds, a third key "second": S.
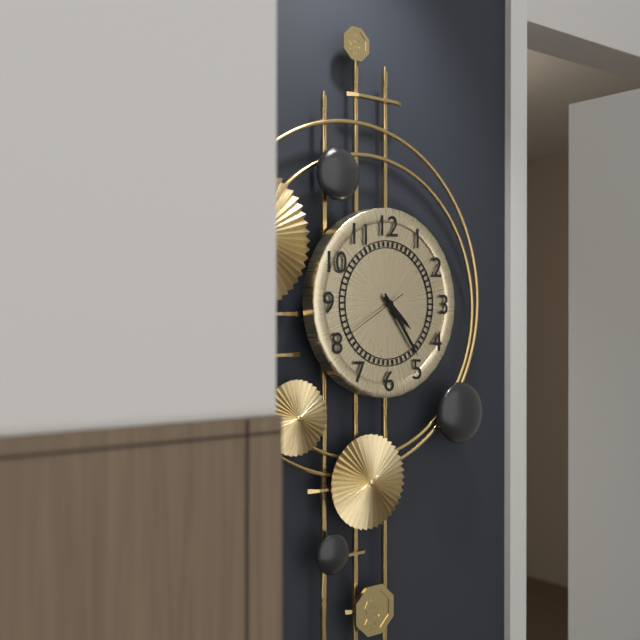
{"hour": 4, "minute": 24, "second": 40}
